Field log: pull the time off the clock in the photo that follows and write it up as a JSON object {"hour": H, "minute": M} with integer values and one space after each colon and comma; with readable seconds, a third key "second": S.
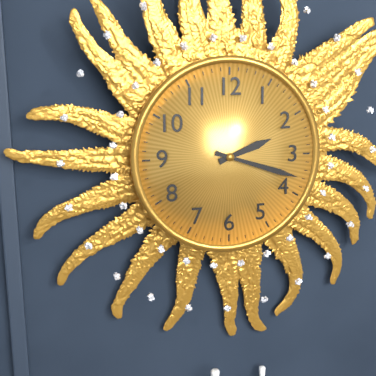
{"hour": 2, "minute": 18}
